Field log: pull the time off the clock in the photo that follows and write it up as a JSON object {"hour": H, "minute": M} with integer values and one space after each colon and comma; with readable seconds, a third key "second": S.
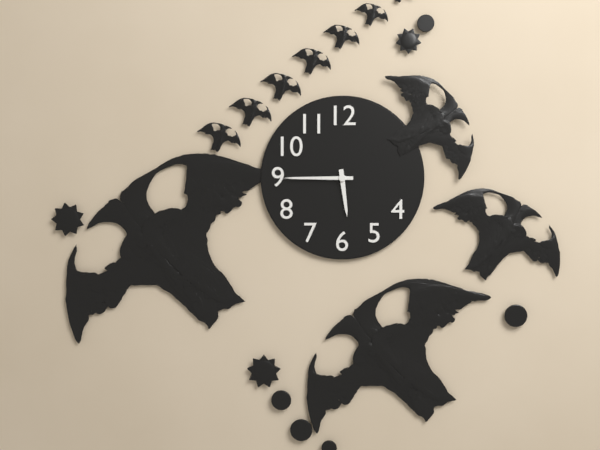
{"hour": 5, "minute": 45}
